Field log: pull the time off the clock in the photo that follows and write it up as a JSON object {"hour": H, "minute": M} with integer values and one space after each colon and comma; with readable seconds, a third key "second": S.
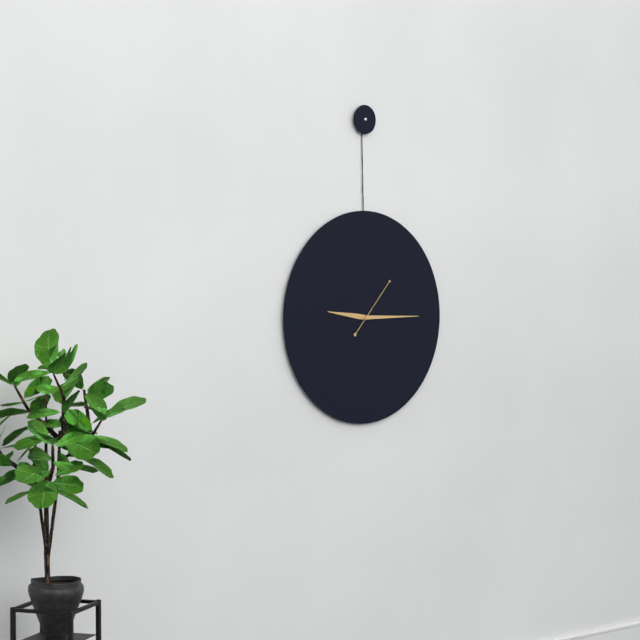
{"hour": 9, "minute": 15, "second": 7}
